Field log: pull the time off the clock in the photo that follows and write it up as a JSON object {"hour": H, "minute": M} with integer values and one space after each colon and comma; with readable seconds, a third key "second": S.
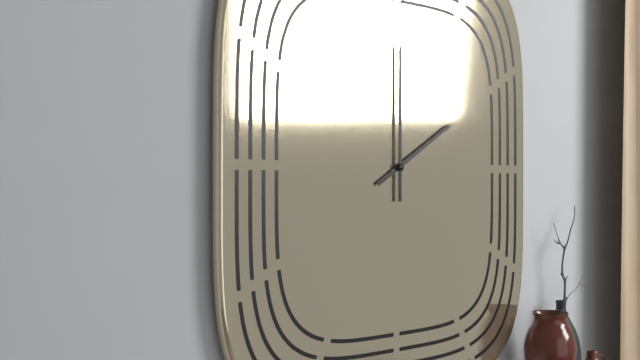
{"hour": 2, "minute": 0}
